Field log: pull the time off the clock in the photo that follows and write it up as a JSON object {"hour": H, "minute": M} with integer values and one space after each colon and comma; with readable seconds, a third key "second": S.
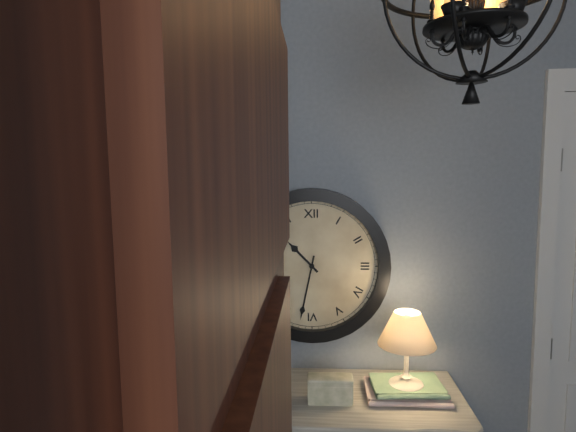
{"hour": 10, "minute": 32}
